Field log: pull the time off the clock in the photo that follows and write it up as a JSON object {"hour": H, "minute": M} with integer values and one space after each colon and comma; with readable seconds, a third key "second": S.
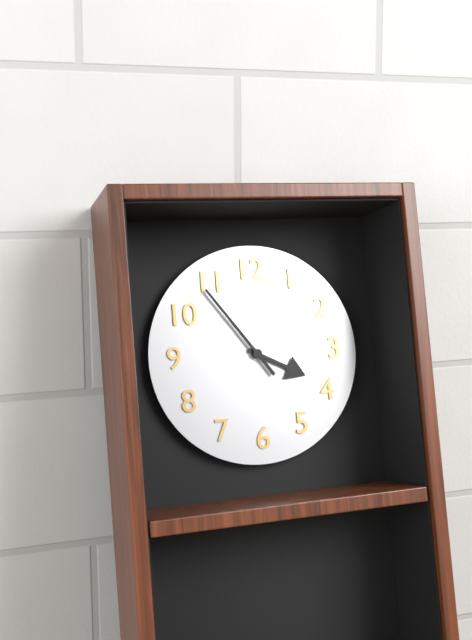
{"hour": 3, "minute": 54}
